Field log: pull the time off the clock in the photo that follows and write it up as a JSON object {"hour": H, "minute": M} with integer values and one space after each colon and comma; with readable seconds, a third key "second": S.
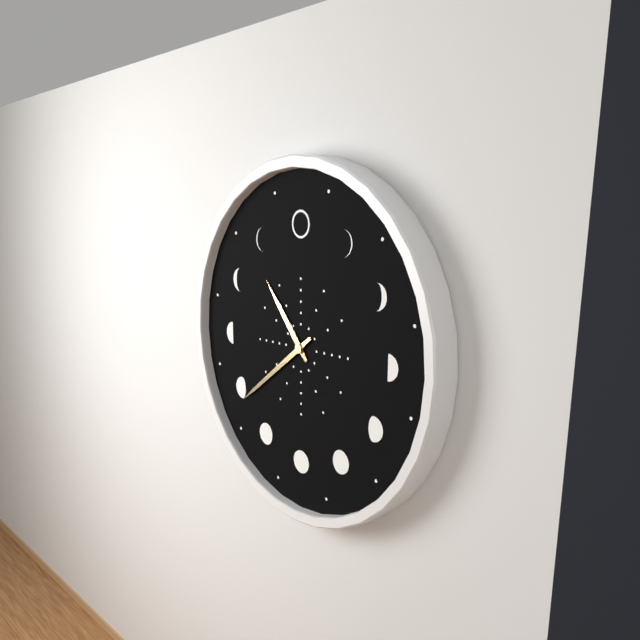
{"hour": 10, "minute": 39}
